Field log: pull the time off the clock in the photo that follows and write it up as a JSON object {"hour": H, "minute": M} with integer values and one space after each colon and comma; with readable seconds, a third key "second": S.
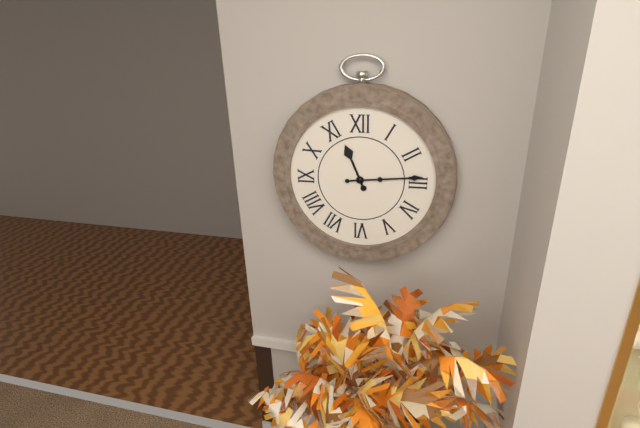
{"hour": 11, "minute": 14}
